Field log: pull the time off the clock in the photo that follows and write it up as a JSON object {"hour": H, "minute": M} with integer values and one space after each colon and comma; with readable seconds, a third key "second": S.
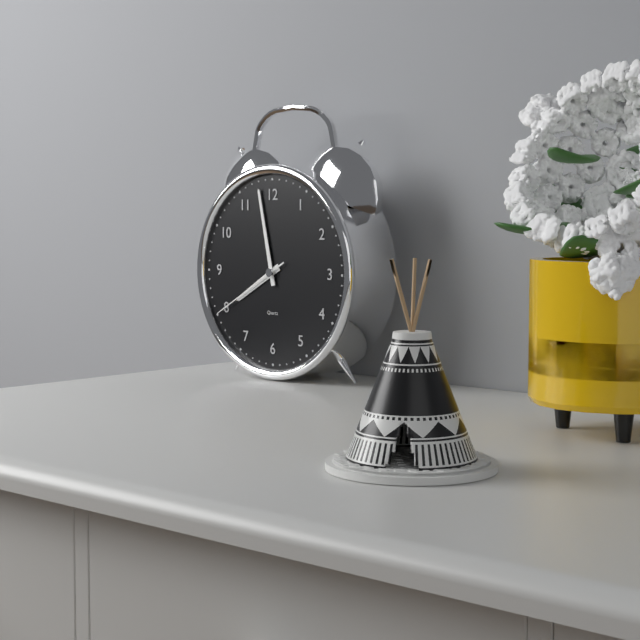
{"hour": 7, "minute": 58, "second": 40}
